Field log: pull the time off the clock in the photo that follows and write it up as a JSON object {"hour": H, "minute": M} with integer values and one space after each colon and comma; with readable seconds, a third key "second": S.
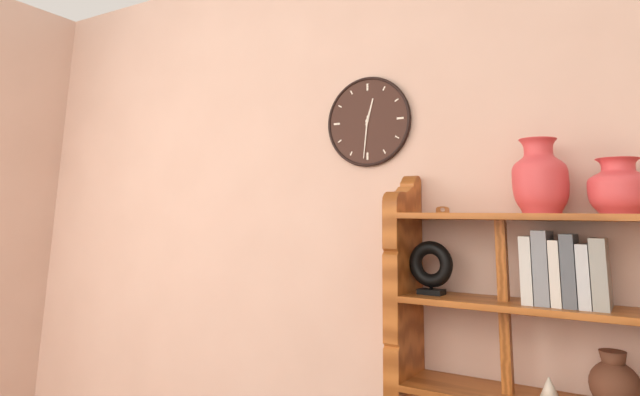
{"hour": 12, "minute": 31}
